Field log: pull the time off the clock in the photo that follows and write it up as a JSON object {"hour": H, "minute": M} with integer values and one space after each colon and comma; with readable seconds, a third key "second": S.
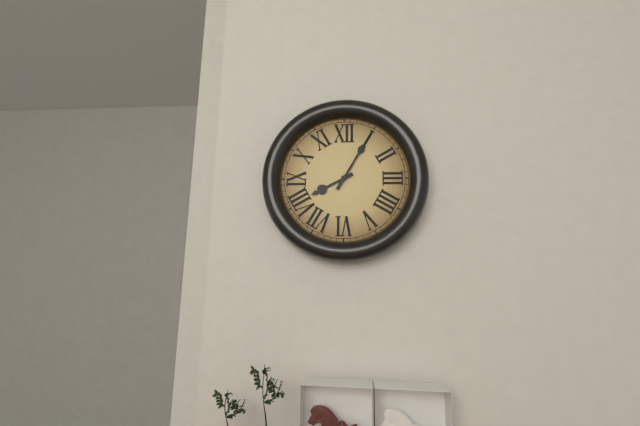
{"hour": 8, "minute": 5}
